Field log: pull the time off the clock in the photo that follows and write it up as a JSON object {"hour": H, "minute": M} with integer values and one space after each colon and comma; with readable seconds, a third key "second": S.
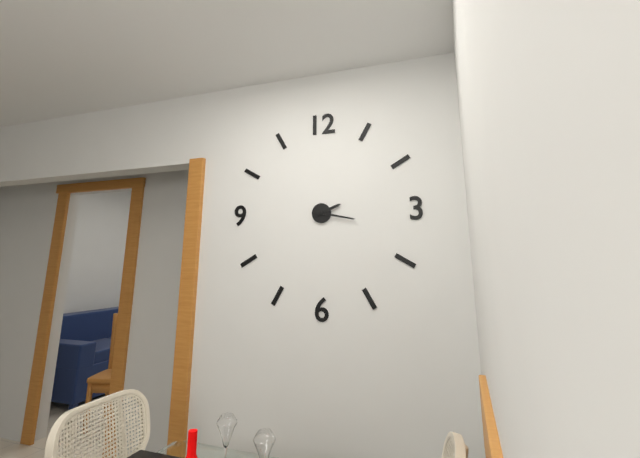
{"hour": 2, "minute": 17}
